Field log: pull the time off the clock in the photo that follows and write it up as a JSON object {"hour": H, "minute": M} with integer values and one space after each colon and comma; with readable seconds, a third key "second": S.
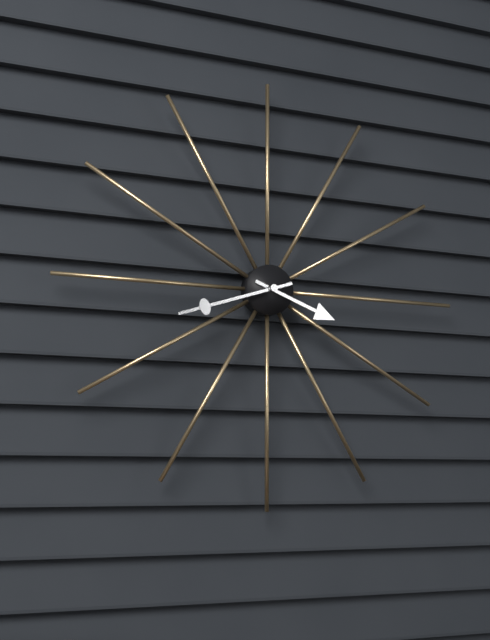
{"hour": 3, "minute": 42}
